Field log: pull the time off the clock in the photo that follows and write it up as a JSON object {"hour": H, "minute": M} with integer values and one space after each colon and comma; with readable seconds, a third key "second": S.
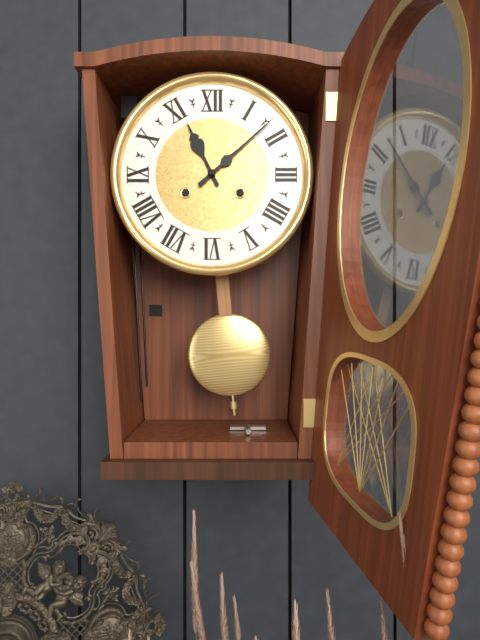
{"hour": 11, "minute": 8}
